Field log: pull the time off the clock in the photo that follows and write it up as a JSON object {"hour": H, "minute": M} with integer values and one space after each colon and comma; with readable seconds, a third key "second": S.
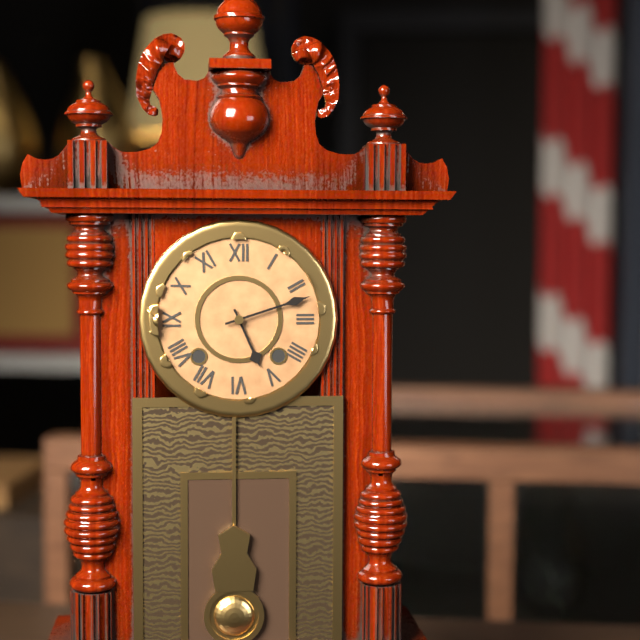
{"hour": 5, "minute": 12}
